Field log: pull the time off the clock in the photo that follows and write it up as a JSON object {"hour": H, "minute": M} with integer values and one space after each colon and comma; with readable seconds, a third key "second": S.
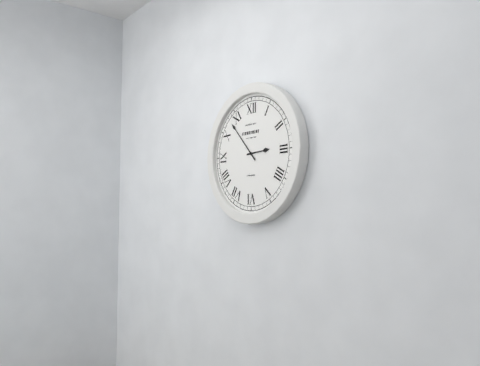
{"hour": 2, "minute": 53}
